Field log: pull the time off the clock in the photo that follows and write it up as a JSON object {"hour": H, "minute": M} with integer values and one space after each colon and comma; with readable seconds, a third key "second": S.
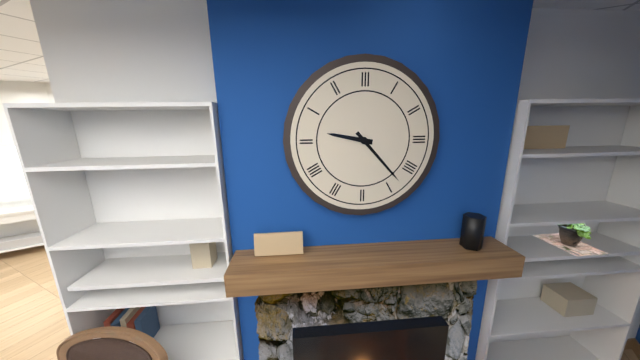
{"hour": 9, "minute": 23}
